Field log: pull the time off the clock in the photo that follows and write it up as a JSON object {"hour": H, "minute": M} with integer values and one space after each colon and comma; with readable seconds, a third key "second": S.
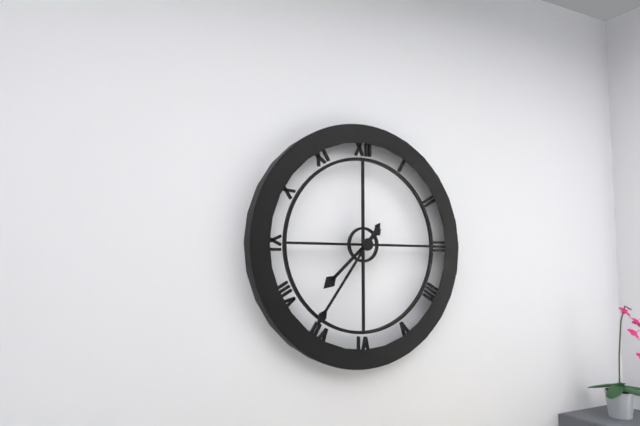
{"hour": 7, "minute": 36}
